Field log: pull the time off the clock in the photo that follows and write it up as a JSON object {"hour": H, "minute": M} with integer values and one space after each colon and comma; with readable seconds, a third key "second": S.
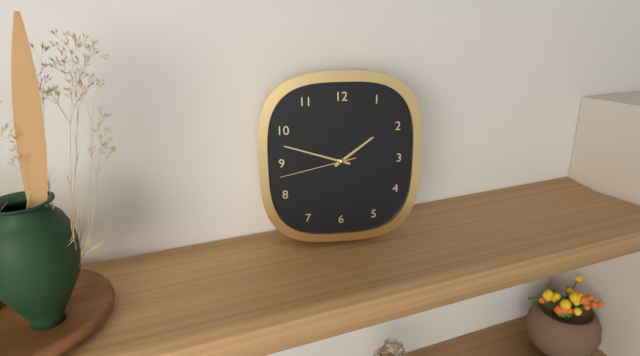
{"hour": 1, "minute": 48, "second": 43}
